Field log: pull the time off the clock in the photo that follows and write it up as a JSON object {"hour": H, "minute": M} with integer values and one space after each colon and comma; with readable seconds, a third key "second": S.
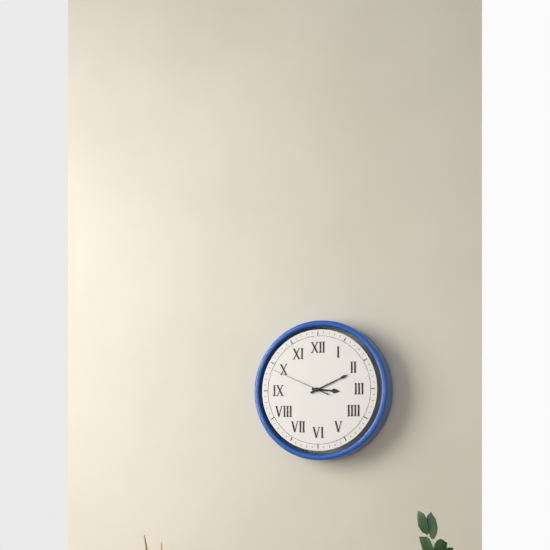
{"hour": 3, "minute": 11, "second": 49}
